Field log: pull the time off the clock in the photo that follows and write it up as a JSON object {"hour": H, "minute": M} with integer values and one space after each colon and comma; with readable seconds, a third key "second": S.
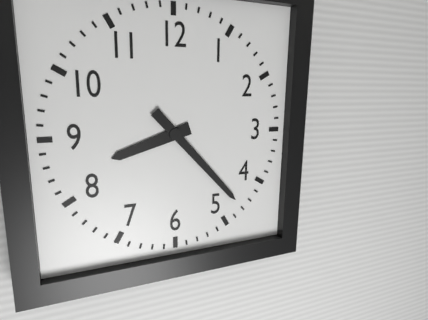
{"hour": 8, "minute": 23}
